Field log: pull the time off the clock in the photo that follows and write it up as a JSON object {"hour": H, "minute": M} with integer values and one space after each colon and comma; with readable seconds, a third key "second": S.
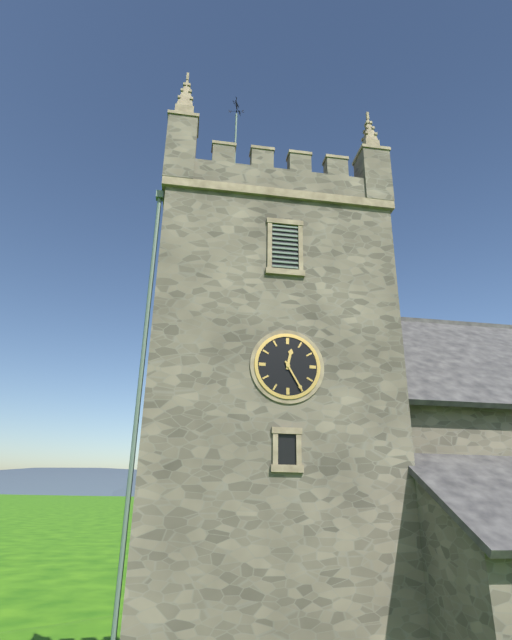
{"hour": 12, "minute": 25}
